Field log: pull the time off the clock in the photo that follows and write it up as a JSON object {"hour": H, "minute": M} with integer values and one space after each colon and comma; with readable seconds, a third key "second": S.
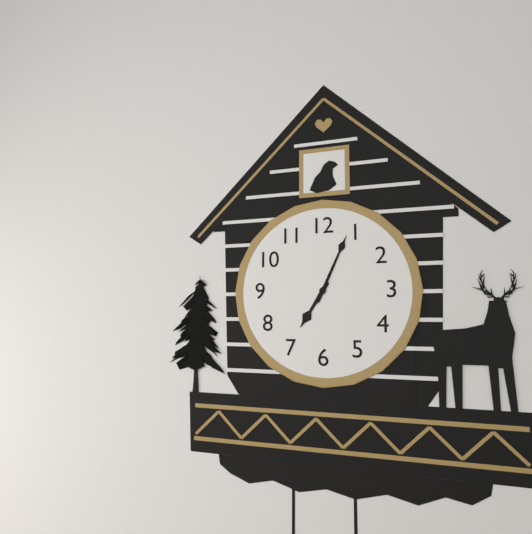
{"hour": 7, "minute": 4}
